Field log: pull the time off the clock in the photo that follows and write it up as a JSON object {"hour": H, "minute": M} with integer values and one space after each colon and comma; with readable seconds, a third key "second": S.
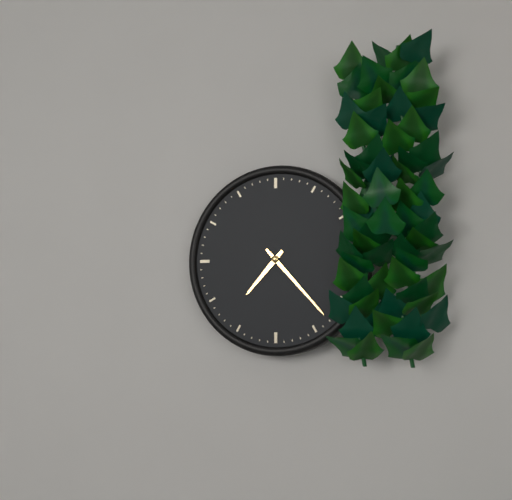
{"hour": 7, "minute": 23}
